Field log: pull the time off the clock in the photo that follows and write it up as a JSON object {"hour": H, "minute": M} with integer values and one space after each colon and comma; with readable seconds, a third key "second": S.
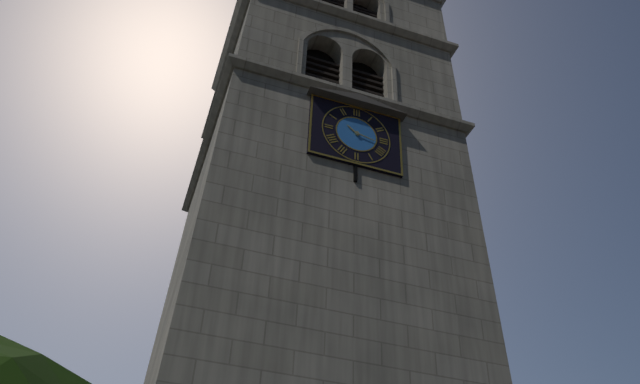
{"hour": 10, "minute": 17}
